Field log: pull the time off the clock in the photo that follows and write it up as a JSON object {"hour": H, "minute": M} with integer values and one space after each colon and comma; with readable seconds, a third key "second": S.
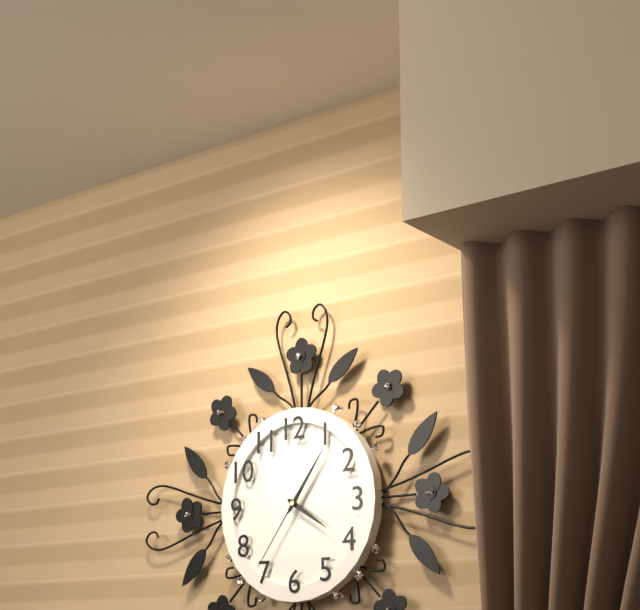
{"hour": 4, "minute": 6, "second": 36}
